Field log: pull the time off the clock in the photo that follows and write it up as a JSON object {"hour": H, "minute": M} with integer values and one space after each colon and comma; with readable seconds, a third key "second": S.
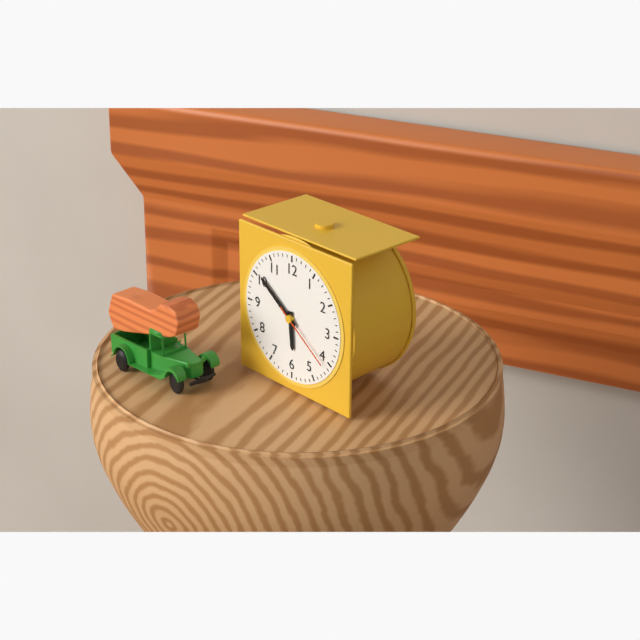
{"hour": 5, "minute": 51, "second": 21}
